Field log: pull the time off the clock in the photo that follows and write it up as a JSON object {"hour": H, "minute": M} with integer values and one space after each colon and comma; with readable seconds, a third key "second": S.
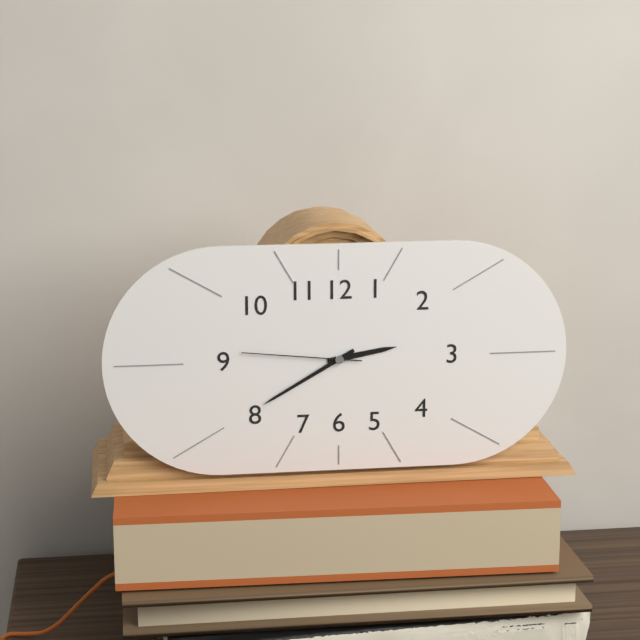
{"hour": 2, "minute": 40, "second": 46}
